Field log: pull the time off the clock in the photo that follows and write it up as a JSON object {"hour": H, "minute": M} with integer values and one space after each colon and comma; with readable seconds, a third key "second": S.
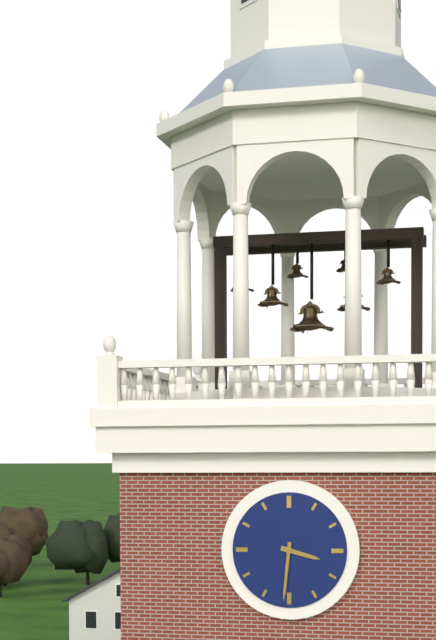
{"hour": 3, "minute": 31}
